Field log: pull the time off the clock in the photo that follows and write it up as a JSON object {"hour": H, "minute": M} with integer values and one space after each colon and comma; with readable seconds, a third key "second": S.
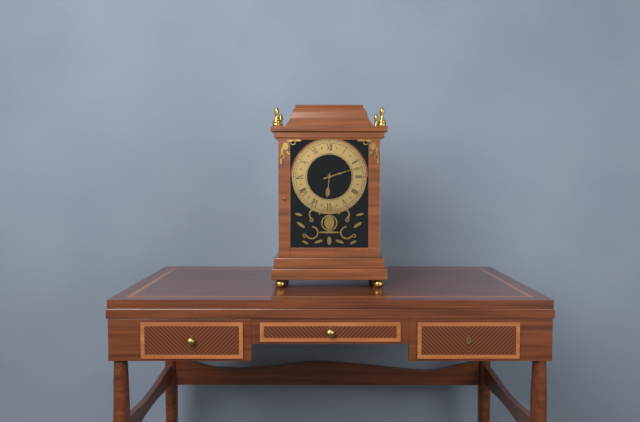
{"hour": 6, "minute": 12}
